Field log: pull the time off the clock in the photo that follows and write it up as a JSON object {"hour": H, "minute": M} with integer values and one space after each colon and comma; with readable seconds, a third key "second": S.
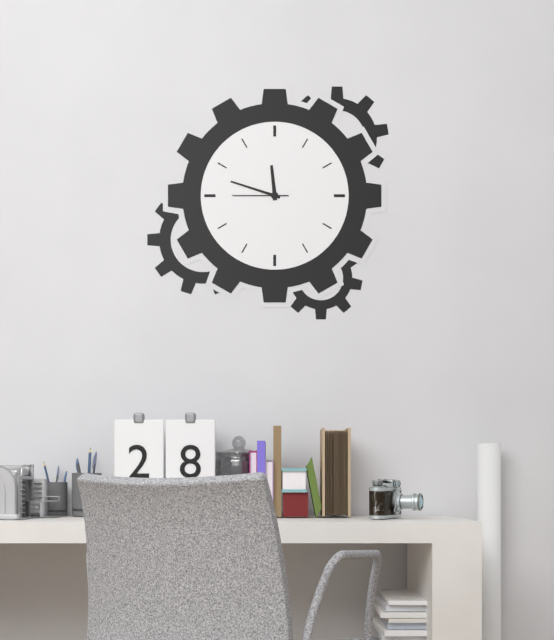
{"hour": 11, "minute": 48, "second": 45}
